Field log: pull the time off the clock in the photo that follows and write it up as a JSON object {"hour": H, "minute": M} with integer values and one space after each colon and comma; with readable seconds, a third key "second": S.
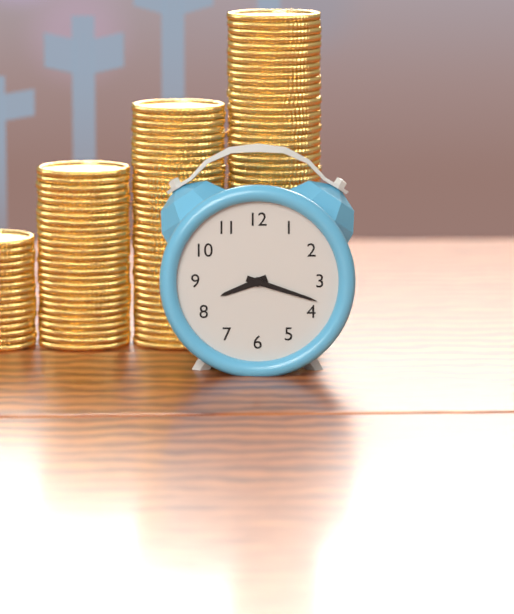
{"hour": 8, "minute": 18}
